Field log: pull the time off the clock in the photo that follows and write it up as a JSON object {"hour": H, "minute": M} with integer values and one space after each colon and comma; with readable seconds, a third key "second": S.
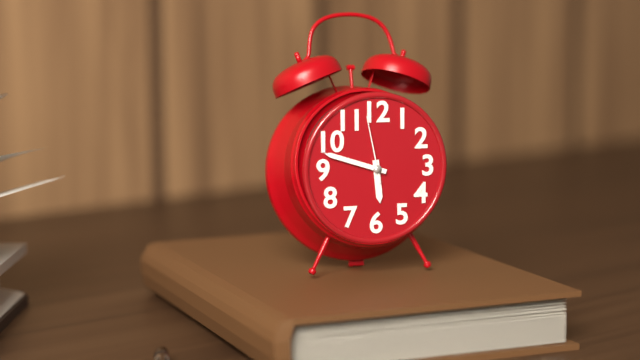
{"hour": 5, "minute": 48, "second": 58}
